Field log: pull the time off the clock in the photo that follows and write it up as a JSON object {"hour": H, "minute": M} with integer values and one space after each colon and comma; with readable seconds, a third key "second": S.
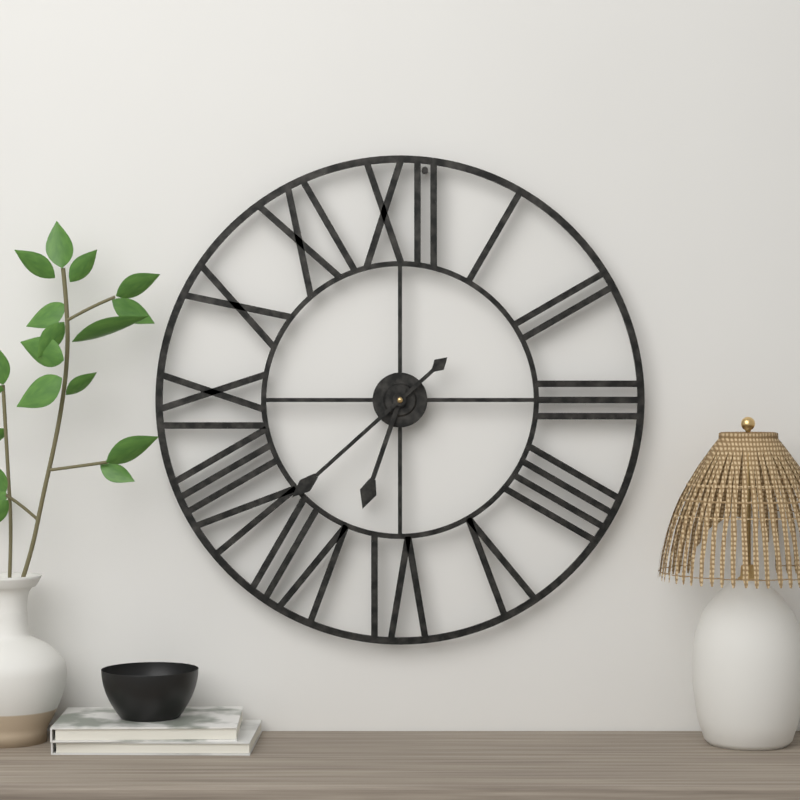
{"hour": 6, "minute": 38}
